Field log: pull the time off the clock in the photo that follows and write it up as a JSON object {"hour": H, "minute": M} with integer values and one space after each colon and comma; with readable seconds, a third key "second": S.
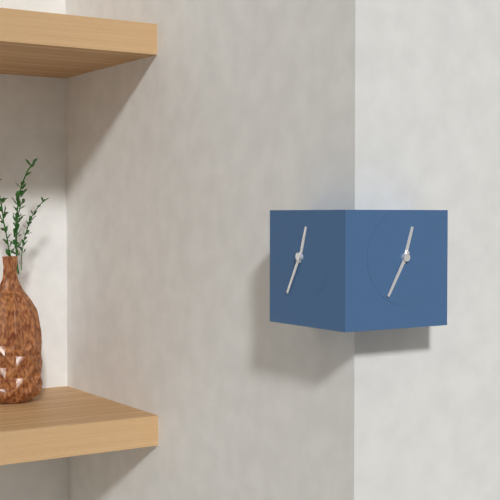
{"hour": 12, "minute": 35}
